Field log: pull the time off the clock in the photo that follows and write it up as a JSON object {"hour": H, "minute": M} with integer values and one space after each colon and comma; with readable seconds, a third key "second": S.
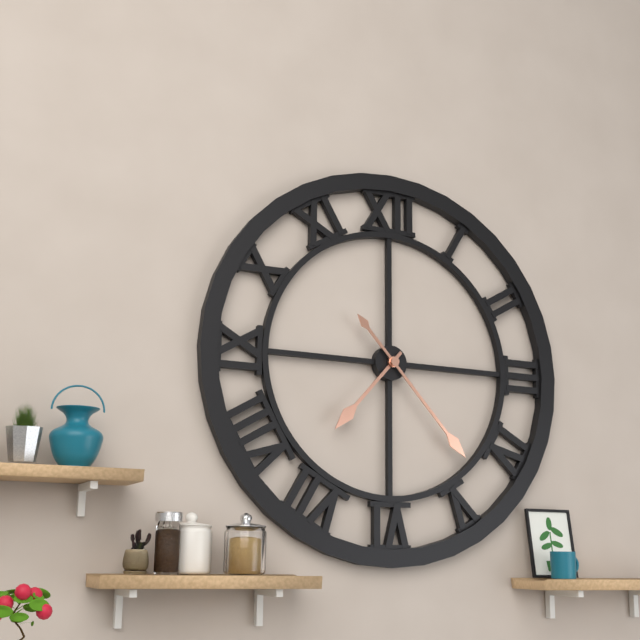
{"hour": 7, "minute": 23}
